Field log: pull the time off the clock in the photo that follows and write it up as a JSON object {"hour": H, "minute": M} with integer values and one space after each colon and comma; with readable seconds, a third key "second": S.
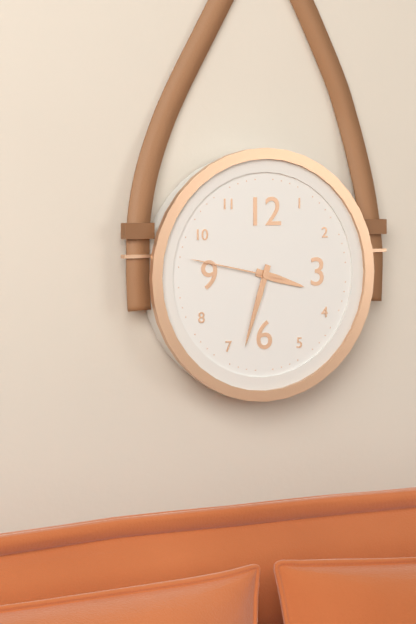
{"hour": 3, "minute": 33, "second": 47}
